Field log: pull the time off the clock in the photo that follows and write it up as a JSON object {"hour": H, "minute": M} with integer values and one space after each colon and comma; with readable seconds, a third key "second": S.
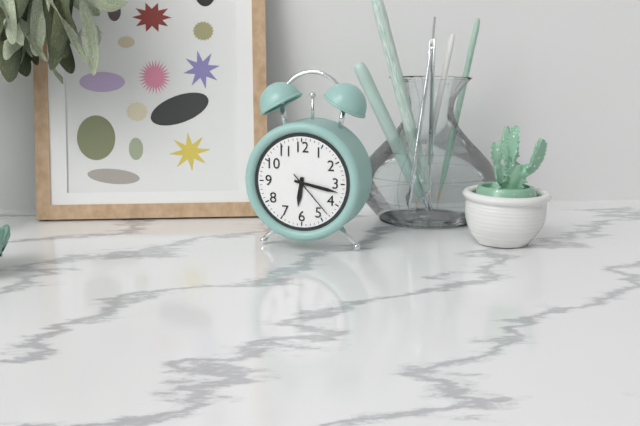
{"hour": 6, "minute": 17, "second": 23}
